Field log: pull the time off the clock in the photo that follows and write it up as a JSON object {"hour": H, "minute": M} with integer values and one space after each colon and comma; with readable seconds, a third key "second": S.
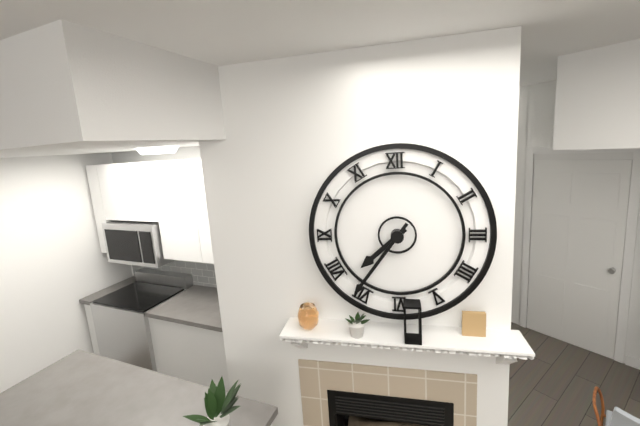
{"hour": 7, "minute": 36}
